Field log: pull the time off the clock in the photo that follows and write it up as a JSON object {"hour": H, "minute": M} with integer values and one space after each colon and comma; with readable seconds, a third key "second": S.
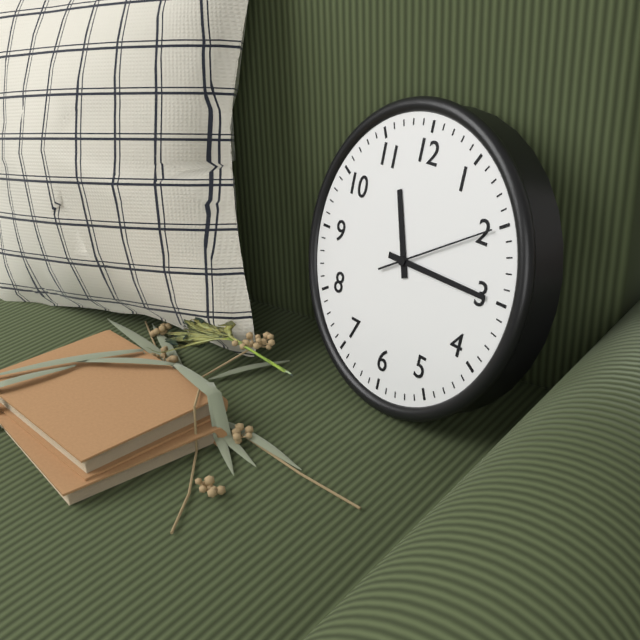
{"hour": 11, "minute": 15, "second": 10}
